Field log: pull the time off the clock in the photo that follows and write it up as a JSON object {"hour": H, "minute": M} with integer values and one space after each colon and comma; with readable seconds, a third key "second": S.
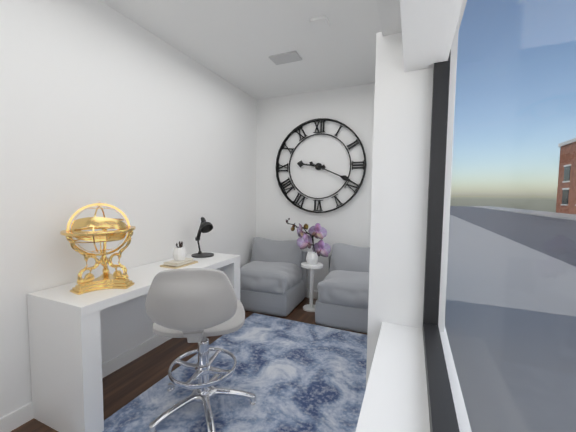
{"hour": 9, "minute": 19}
